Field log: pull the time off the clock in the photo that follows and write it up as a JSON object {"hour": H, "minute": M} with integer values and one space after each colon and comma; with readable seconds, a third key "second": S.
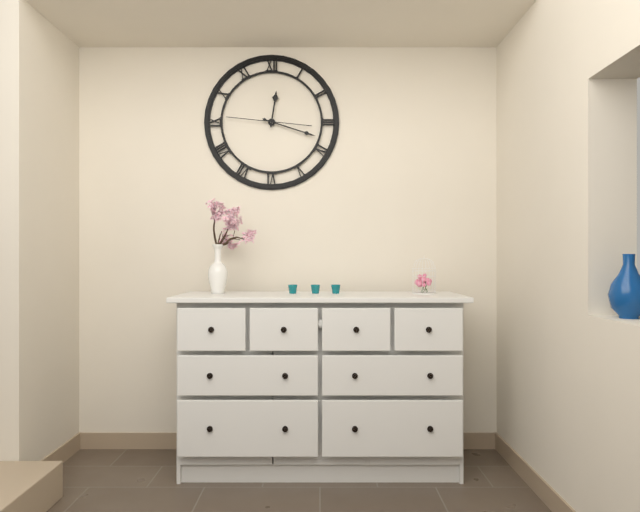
{"hour": 12, "minute": 18, "second": 46}
